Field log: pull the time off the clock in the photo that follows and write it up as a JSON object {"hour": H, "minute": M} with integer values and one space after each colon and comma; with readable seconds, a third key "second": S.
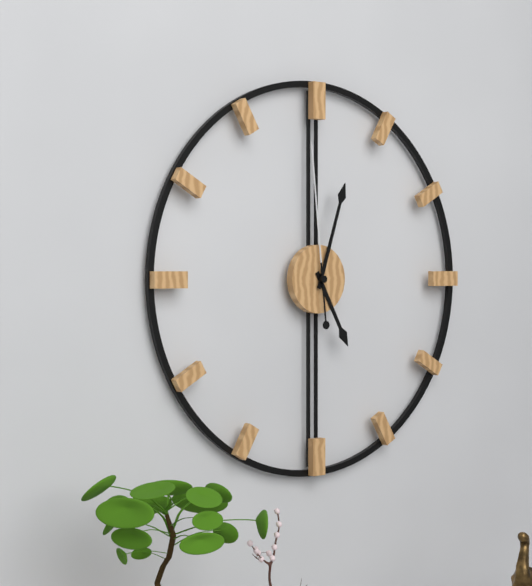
{"hour": 5, "minute": 3, "second": 59}
